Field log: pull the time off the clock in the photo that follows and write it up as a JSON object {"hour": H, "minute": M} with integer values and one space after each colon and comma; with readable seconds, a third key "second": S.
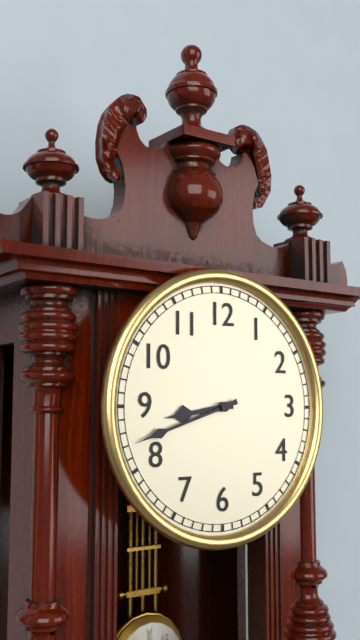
{"hour": 8, "minute": 42}
